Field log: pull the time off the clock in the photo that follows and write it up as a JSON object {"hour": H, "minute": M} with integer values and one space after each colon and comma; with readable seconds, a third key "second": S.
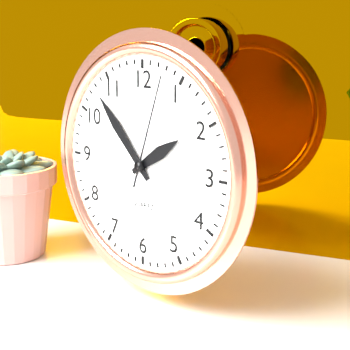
{"hour": 1, "minute": 53, "second": 3}
